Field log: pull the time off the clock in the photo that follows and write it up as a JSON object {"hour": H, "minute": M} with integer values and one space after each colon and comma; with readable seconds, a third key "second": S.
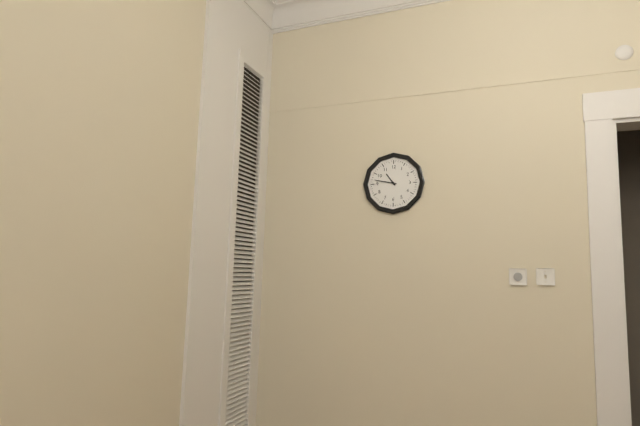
{"hour": 10, "minute": 47}
